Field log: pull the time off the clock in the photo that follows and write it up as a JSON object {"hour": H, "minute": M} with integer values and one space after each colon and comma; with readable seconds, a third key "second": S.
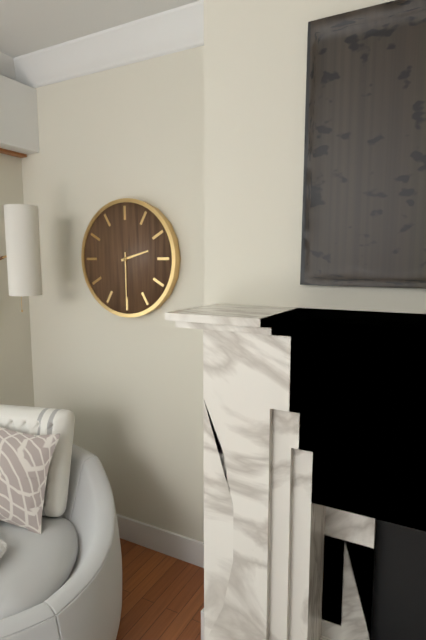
{"hour": 2, "minute": 30}
